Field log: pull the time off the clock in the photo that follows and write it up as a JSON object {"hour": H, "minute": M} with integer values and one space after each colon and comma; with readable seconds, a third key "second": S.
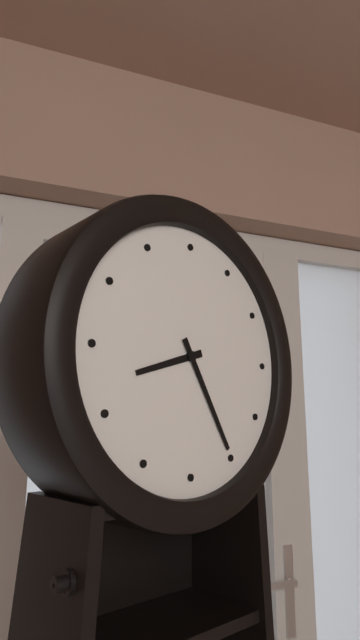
{"hour": 8, "minute": 25}
